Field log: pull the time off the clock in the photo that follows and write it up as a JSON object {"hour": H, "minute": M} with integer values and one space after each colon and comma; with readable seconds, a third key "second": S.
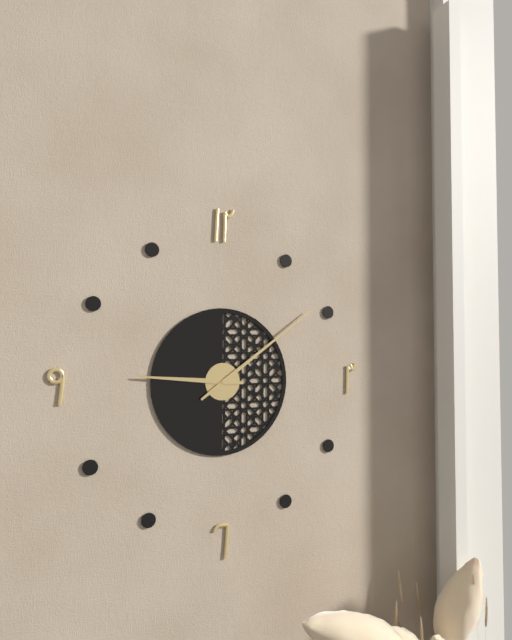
{"hour": 9, "minute": 9}
